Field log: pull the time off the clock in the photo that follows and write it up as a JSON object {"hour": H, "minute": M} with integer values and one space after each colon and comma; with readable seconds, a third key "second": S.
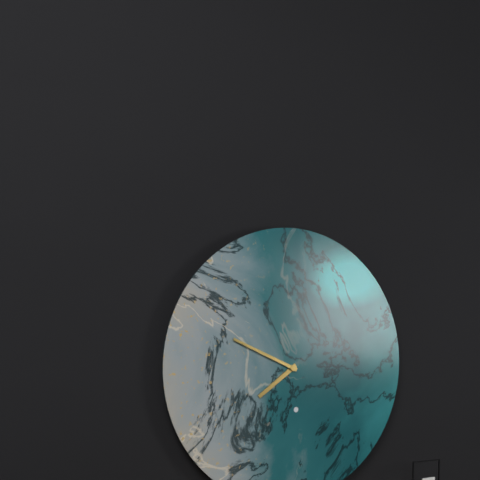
{"hour": 7, "minute": 49}
